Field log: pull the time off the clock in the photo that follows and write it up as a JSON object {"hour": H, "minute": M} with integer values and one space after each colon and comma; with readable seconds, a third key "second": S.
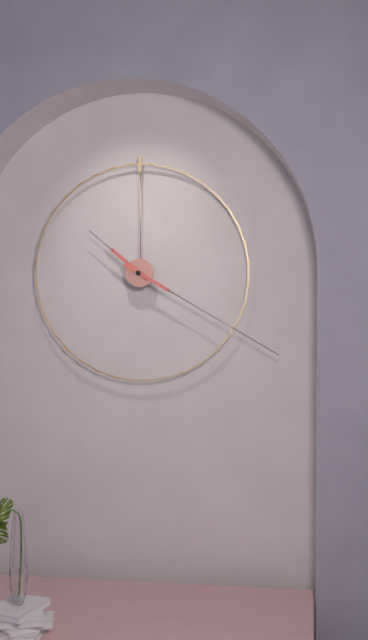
{"hour": 10, "minute": 20}
